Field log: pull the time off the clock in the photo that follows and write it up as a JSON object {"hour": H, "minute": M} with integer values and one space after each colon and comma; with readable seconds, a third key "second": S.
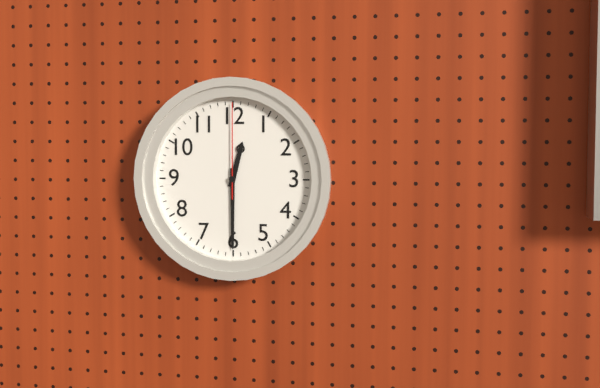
{"hour": 12, "minute": 30, "second": 0}
